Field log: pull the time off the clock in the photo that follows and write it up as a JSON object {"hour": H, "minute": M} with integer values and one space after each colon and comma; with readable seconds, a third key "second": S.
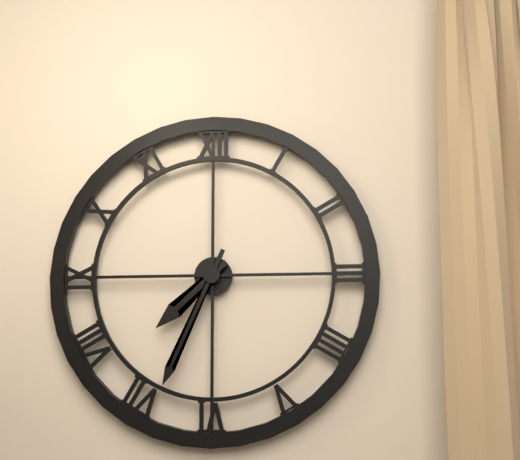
{"hour": 7, "minute": 34}
